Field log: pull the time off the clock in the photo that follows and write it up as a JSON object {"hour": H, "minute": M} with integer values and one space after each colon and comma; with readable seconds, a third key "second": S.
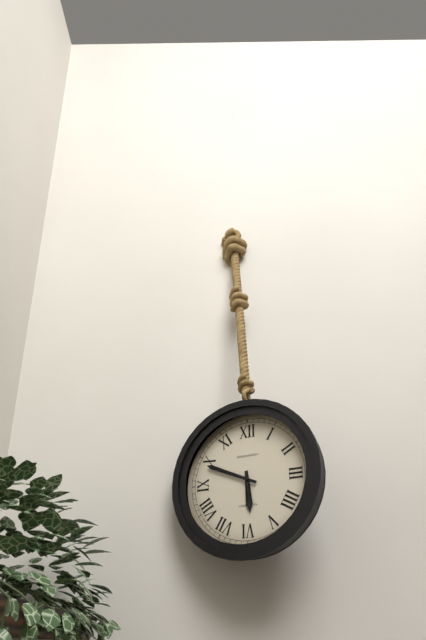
{"hour": 5, "minute": 49}
